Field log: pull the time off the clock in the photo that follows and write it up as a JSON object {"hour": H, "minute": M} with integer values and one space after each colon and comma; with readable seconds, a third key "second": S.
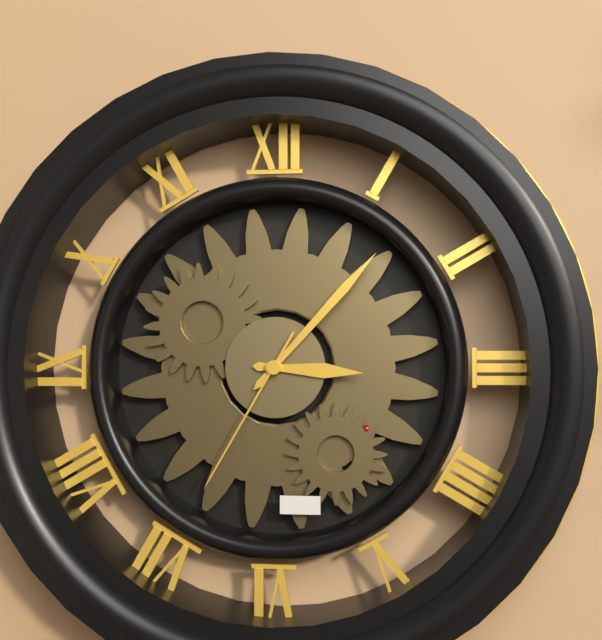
{"hour": 3, "minute": 7, "second": 35}
